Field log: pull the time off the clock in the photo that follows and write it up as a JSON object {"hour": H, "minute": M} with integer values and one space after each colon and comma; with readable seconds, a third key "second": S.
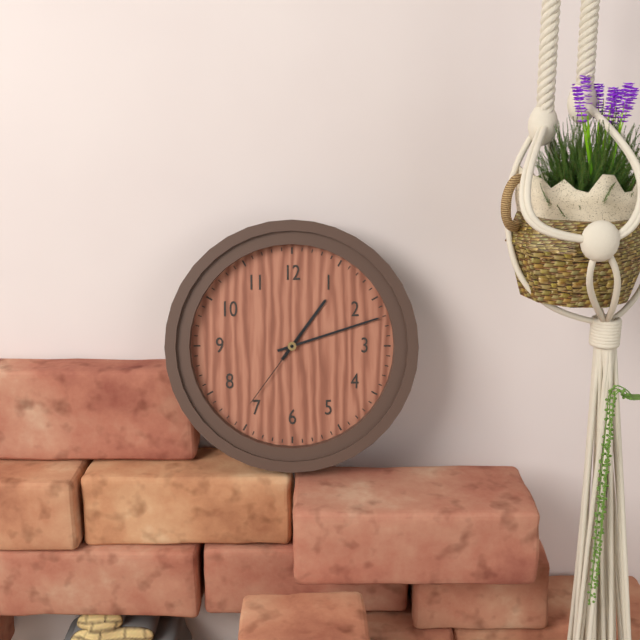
{"hour": 1, "minute": 12, "second": 36}
